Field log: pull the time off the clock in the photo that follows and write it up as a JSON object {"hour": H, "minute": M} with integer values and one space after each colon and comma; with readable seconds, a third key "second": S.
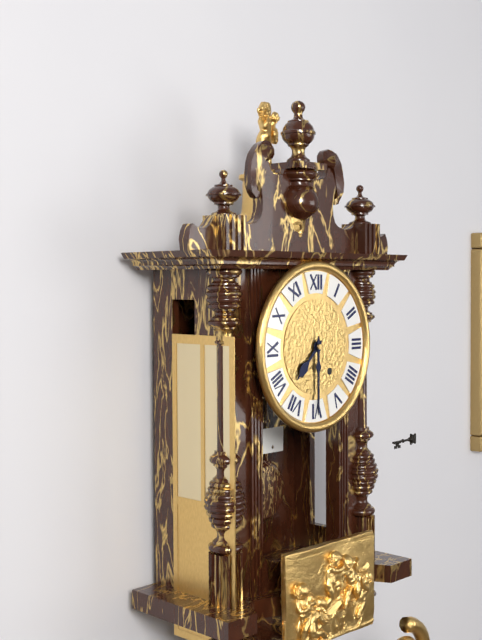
{"hour": 7, "minute": 30}
